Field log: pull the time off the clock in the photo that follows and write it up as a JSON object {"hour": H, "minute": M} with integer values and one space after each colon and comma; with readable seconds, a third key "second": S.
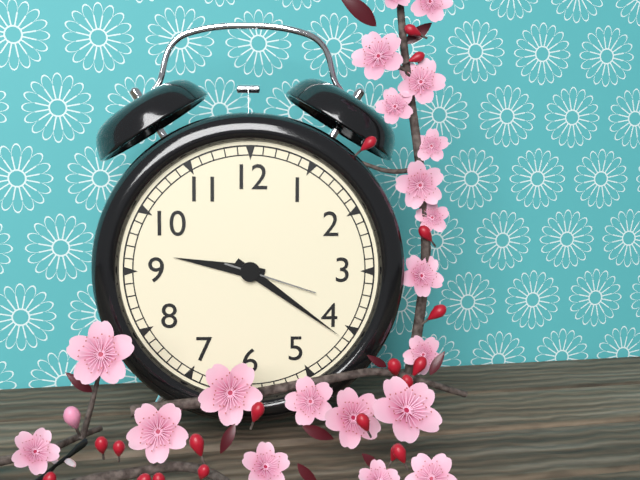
{"hour": 9, "minute": 21, "second": 18}
